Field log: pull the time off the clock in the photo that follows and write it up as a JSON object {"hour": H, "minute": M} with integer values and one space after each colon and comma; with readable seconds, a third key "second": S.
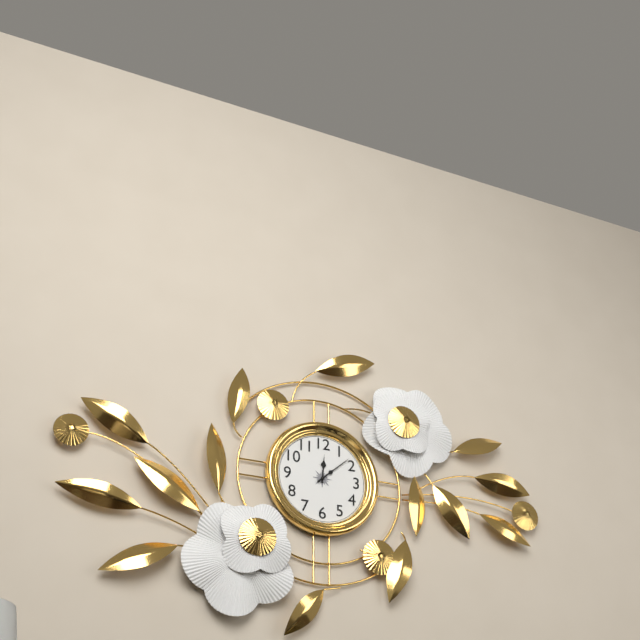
{"hour": 12, "minute": 8}
